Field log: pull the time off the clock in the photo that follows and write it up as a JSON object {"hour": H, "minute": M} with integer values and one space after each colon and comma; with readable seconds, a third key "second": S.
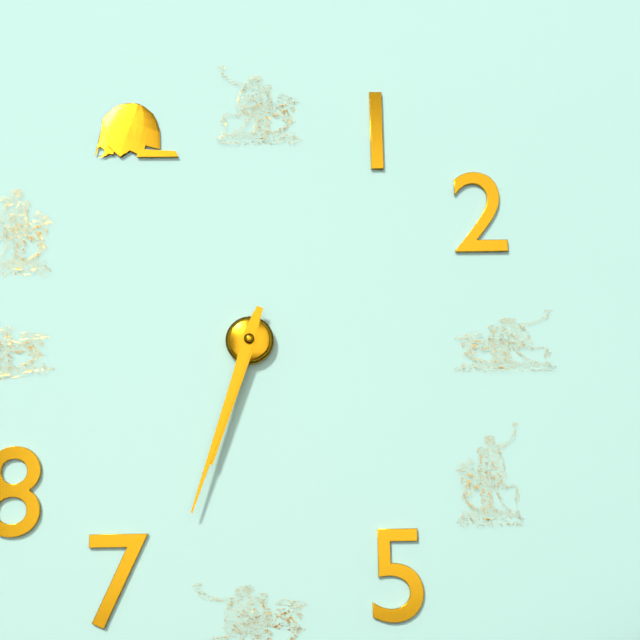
{"hour": 6, "minute": 33}
